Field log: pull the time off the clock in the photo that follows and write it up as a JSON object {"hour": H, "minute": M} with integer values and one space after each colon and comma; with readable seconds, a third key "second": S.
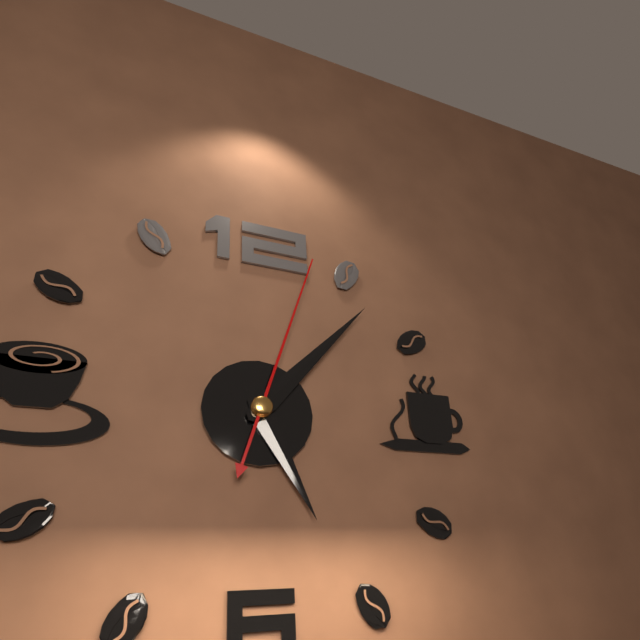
{"hour": 5, "minute": 7, "second": 3}
